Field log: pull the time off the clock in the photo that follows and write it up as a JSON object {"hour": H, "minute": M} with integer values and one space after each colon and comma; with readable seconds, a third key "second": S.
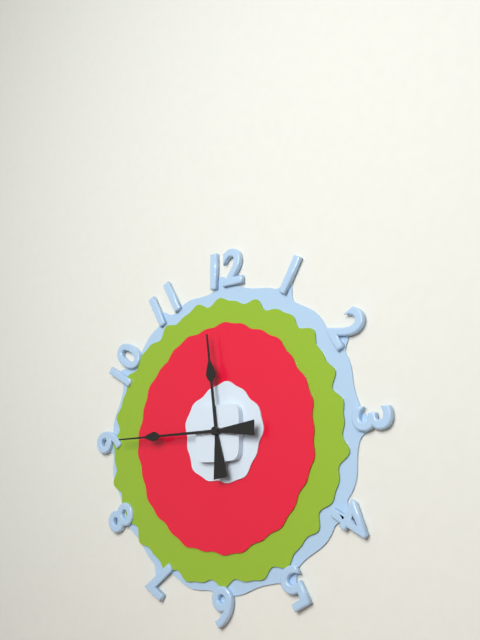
{"hour": 11, "minute": 45}
